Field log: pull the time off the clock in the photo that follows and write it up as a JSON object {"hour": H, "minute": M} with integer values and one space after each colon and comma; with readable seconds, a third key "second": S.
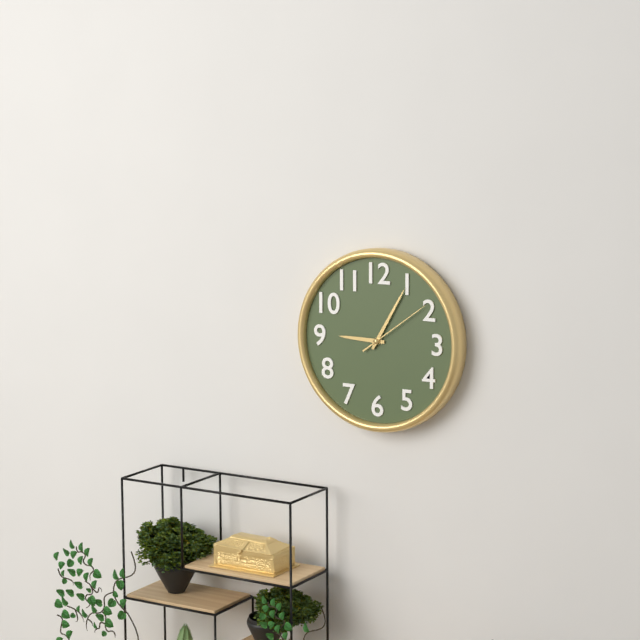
{"hour": 9, "minute": 5, "second": 9}
